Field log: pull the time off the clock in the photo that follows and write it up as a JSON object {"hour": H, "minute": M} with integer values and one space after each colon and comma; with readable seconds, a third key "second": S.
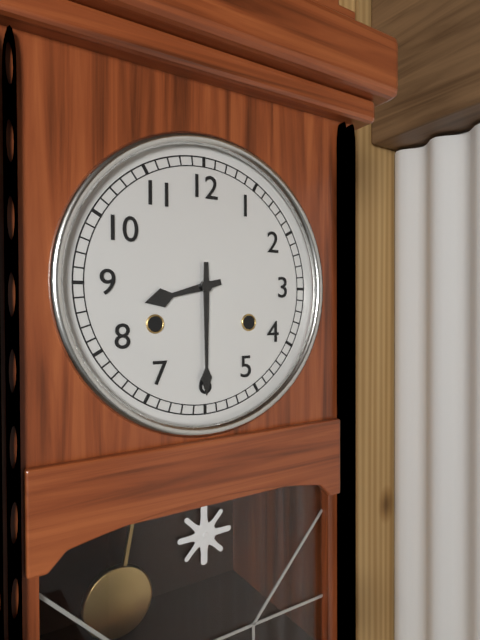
{"hour": 8, "minute": 30}
